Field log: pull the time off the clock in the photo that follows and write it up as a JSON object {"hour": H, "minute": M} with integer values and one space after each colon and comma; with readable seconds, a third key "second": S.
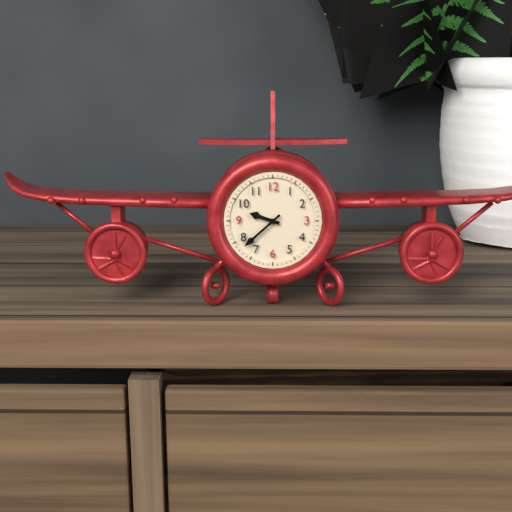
{"hour": 9, "minute": 38}
